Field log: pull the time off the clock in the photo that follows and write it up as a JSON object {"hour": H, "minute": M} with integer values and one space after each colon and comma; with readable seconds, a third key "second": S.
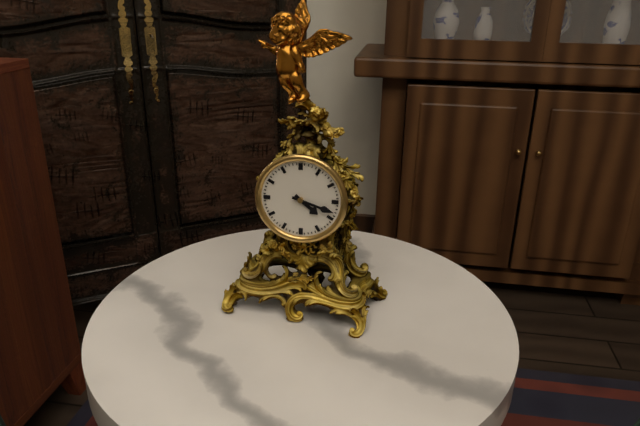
{"hour": 4, "minute": 18}
